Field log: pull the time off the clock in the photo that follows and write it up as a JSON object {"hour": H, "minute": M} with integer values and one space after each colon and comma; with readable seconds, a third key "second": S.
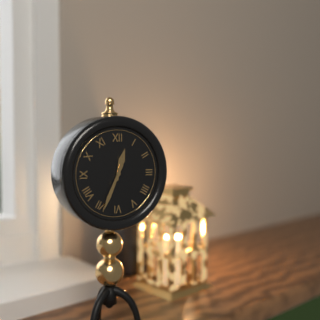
{"hour": 12, "minute": 34}
